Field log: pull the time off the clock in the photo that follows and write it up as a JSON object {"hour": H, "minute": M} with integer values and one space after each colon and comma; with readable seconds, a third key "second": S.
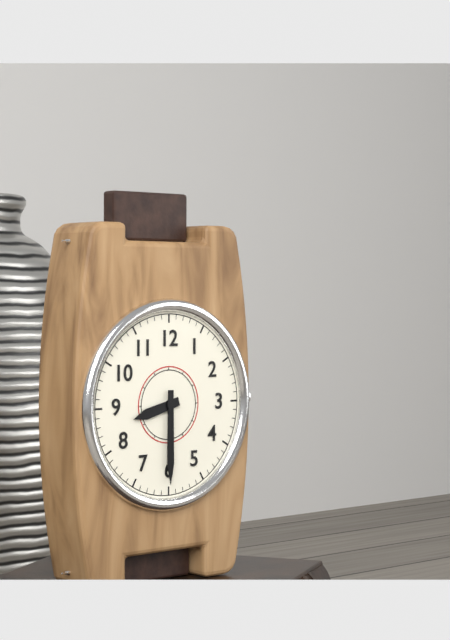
{"hour": 8, "minute": 30}
